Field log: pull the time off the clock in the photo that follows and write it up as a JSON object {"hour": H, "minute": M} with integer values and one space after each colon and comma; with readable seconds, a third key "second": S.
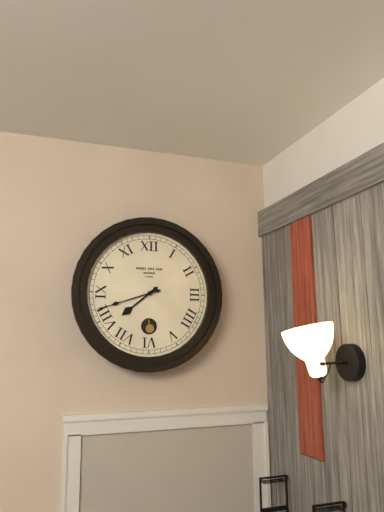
{"hour": 7, "minute": 42}
